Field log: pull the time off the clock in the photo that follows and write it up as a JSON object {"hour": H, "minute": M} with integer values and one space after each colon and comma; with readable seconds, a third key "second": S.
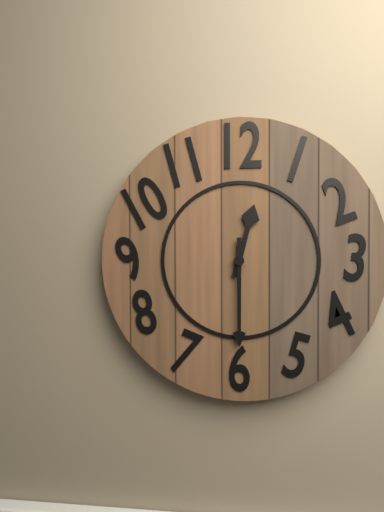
{"hour": 12, "minute": 30}
